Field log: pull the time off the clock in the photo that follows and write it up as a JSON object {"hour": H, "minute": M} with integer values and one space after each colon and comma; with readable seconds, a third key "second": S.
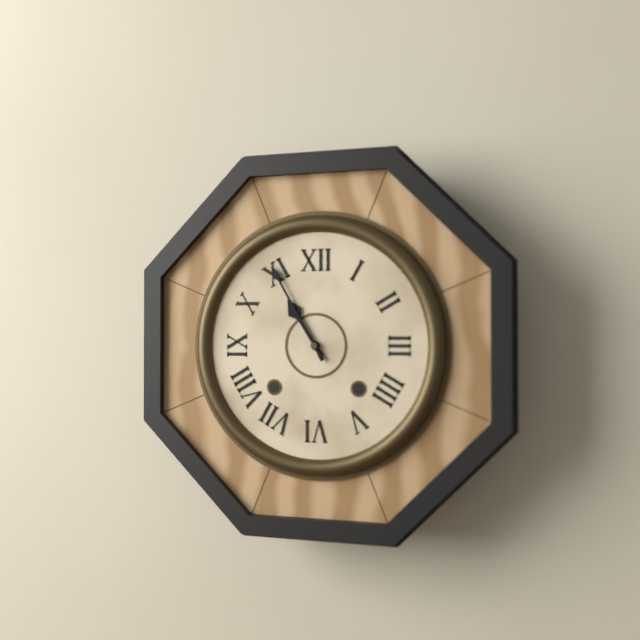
{"hour": 10, "minute": 55}
